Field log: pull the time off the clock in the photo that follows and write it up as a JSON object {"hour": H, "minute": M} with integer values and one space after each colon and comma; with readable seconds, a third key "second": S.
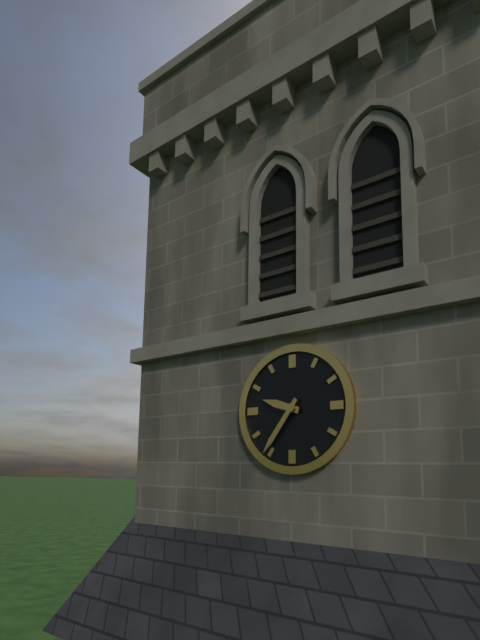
{"hour": 9, "minute": 36}
